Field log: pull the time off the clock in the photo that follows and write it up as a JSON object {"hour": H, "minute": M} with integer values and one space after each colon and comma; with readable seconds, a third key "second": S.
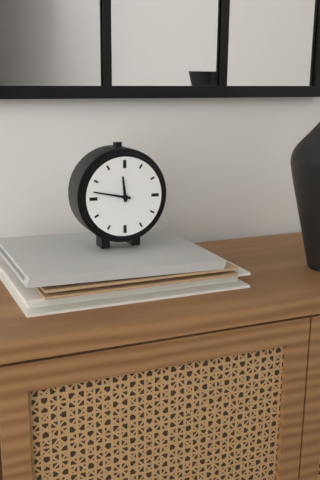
{"hour": 11, "minute": 47}
